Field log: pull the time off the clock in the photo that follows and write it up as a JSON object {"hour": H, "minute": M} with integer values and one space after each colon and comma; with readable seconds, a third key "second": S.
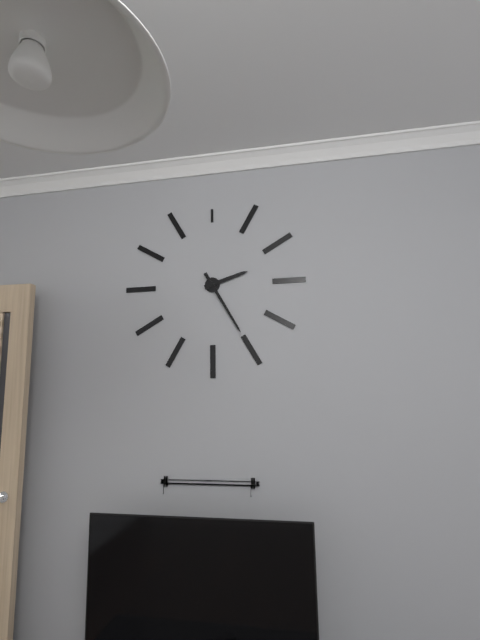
{"hour": 2, "minute": 25}
